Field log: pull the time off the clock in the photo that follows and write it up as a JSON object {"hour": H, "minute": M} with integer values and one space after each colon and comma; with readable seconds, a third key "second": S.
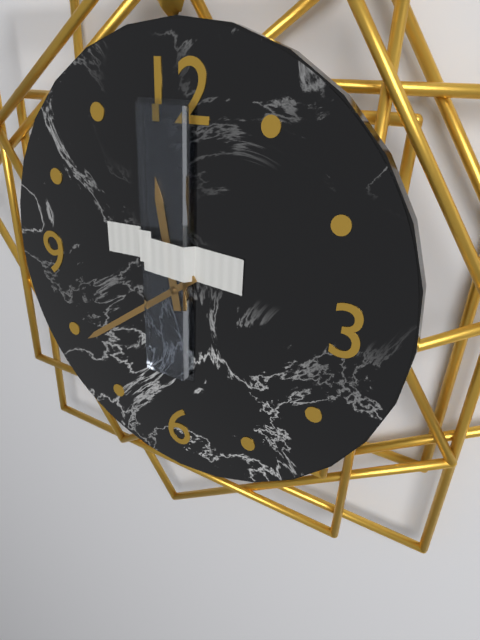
{"hour": 11, "minute": 39}
